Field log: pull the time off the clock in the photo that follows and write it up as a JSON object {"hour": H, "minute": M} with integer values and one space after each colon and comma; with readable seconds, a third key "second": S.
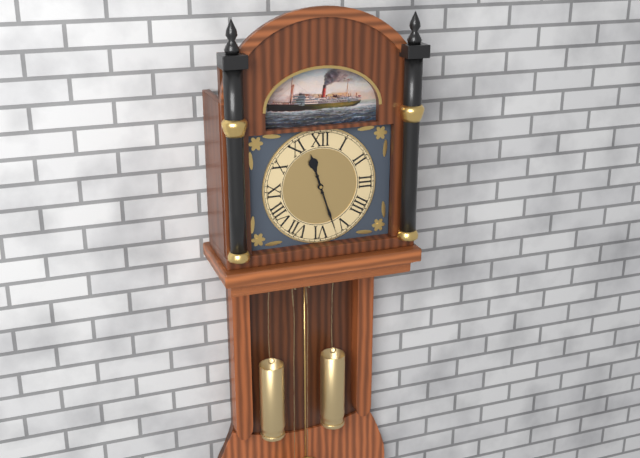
{"hour": 11, "minute": 27}
